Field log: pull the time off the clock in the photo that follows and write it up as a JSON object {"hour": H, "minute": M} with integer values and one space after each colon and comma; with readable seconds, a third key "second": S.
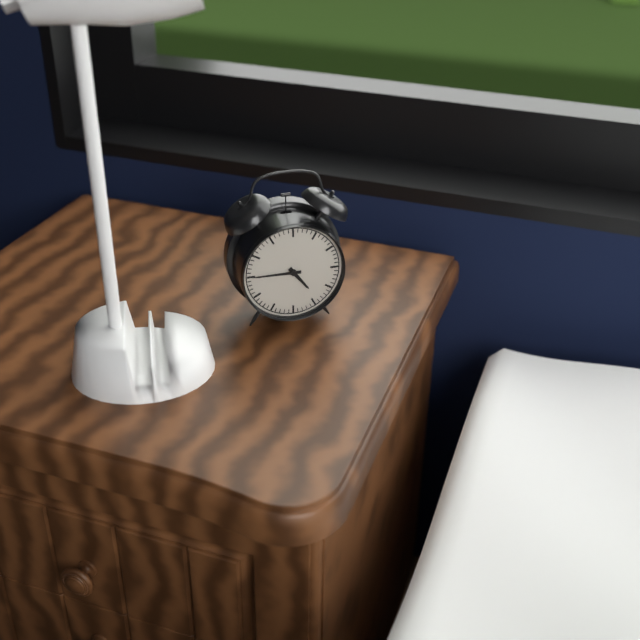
{"hour": 4, "minute": 45}
